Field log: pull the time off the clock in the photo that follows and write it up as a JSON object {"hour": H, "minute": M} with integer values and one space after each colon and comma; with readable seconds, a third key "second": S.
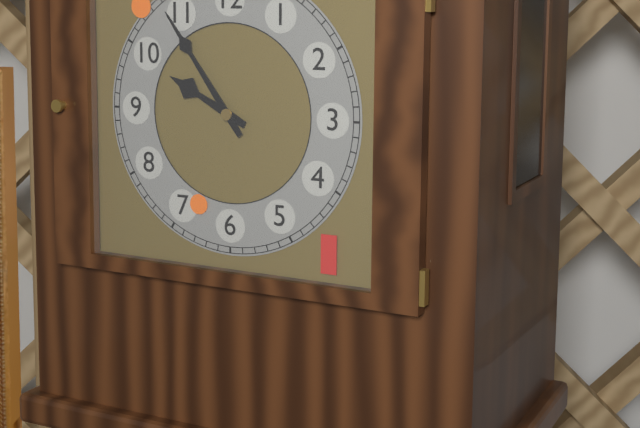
{"hour": 9, "minute": 54}
